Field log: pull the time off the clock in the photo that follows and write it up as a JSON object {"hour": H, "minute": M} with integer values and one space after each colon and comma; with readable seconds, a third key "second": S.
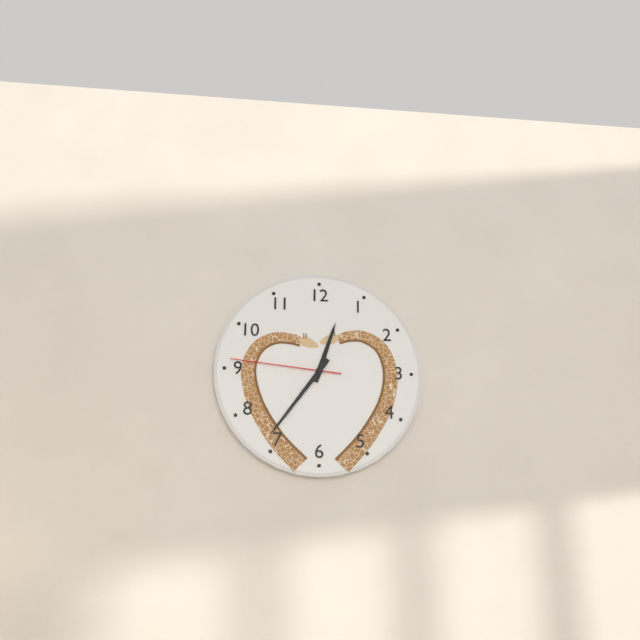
{"hour": 12, "minute": 36, "second": 46}
